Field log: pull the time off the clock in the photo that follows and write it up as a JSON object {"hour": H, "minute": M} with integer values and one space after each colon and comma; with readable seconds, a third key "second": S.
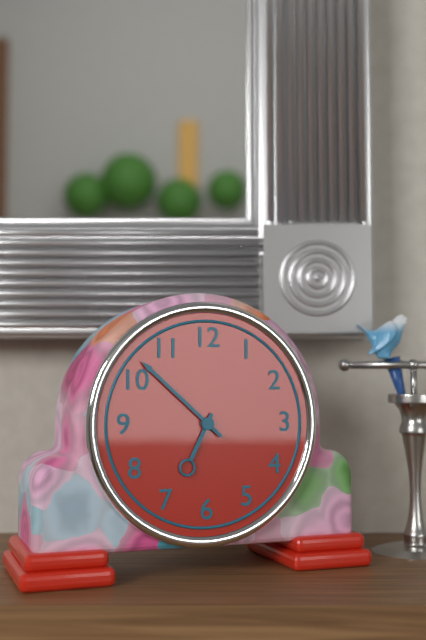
{"hour": 6, "minute": 52}
